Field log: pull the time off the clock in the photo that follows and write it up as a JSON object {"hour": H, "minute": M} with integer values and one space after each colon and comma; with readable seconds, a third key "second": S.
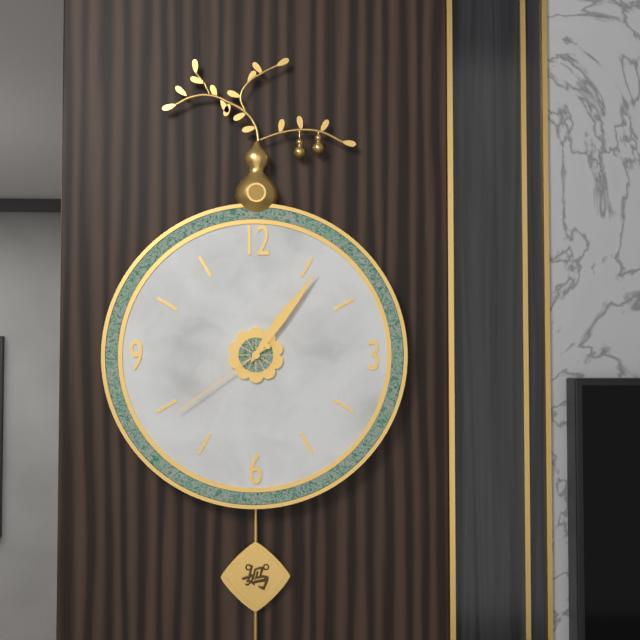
{"hour": 1, "minute": 6, "second": 39}
